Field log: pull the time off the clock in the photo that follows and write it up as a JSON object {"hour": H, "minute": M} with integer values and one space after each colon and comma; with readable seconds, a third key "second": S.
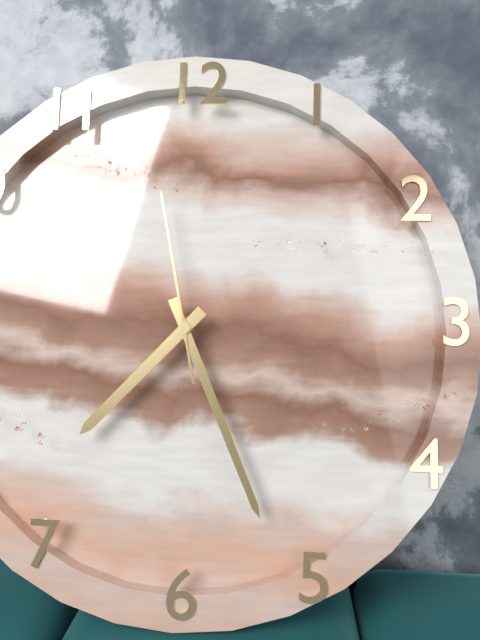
{"hour": 7, "minute": 26, "second": 58}
